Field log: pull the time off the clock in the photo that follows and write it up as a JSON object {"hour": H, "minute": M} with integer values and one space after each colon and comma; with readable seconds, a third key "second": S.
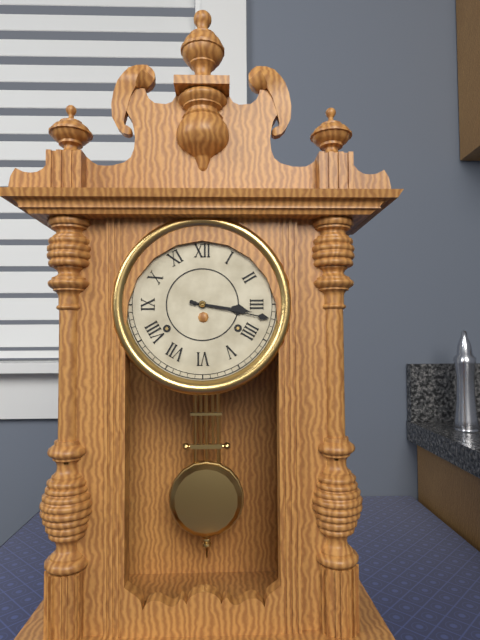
{"hour": 3, "minute": 17}
